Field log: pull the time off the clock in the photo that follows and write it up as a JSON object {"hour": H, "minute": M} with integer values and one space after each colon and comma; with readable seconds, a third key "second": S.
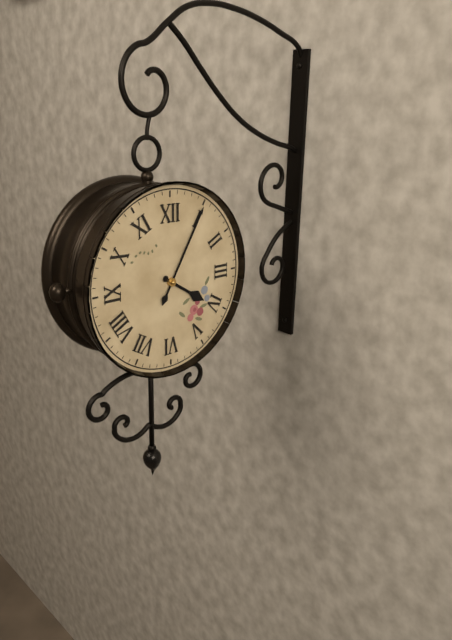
{"hour": 4, "minute": 5}
